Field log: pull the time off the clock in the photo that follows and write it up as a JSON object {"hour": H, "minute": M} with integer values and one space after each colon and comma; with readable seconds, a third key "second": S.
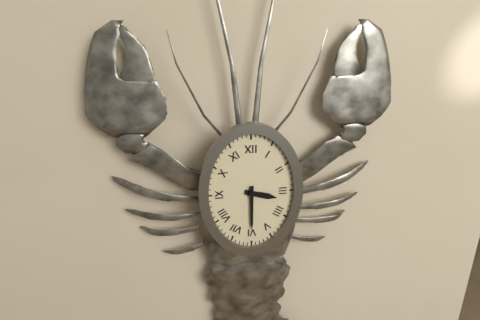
{"hour": 3, "minute": 30}
